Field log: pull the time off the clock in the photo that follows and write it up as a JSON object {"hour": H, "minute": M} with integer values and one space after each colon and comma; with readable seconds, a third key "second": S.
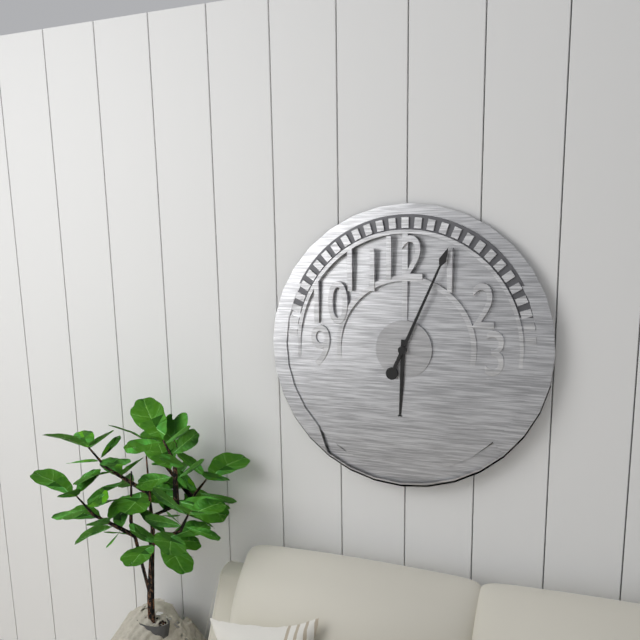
{"hour": 6, "minute": 4}
